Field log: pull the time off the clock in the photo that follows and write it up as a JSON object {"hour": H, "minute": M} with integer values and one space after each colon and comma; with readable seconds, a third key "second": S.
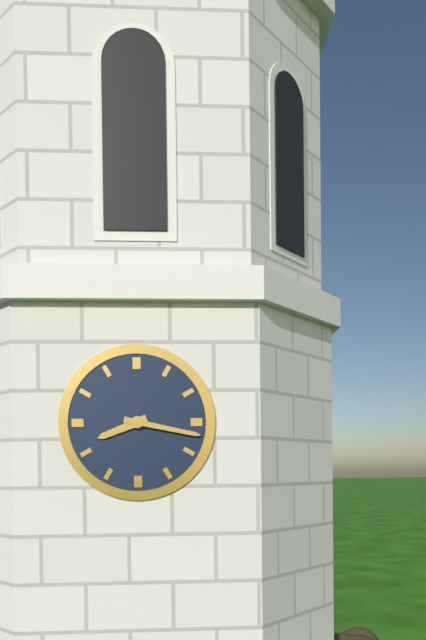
{"hour": 8, "minute": 17}
